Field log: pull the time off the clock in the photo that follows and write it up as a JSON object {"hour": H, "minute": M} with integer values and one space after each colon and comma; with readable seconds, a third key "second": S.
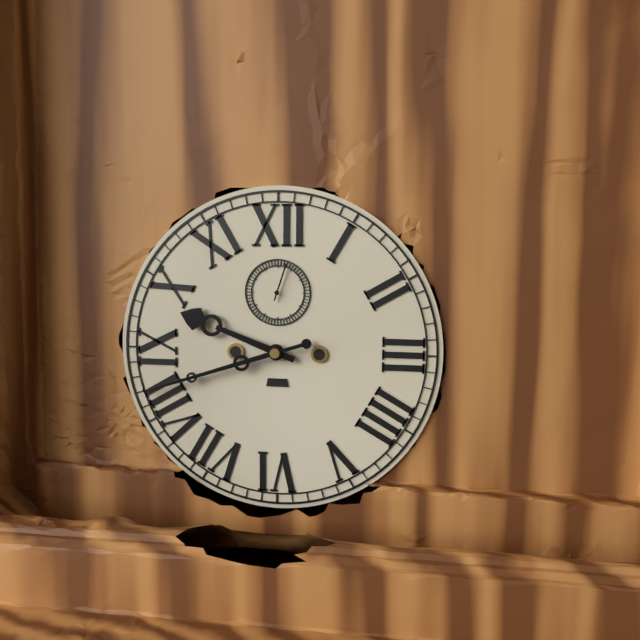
{"hour": 9, "minute": 42}
